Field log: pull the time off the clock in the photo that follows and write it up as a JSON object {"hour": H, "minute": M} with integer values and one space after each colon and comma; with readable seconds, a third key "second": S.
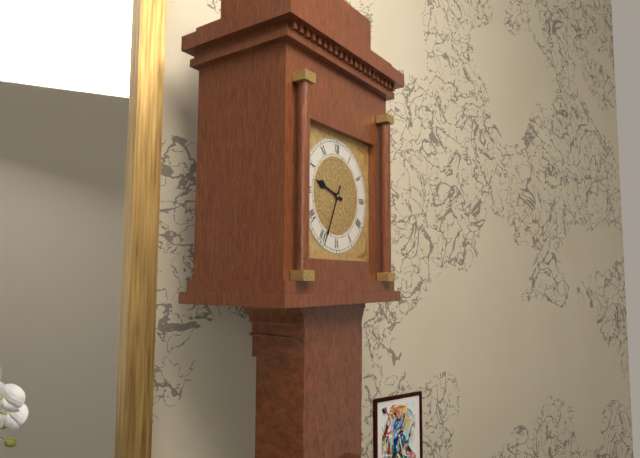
{"hour": 9, "minute": 34}
